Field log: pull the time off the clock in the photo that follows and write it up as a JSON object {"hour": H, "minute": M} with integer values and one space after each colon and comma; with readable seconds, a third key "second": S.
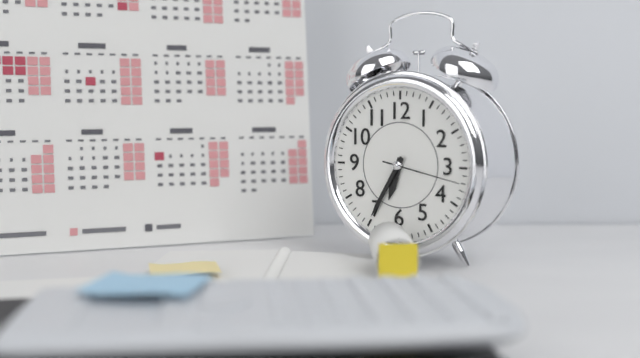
{"hour": 6, "minute": 35, "second": 17}
